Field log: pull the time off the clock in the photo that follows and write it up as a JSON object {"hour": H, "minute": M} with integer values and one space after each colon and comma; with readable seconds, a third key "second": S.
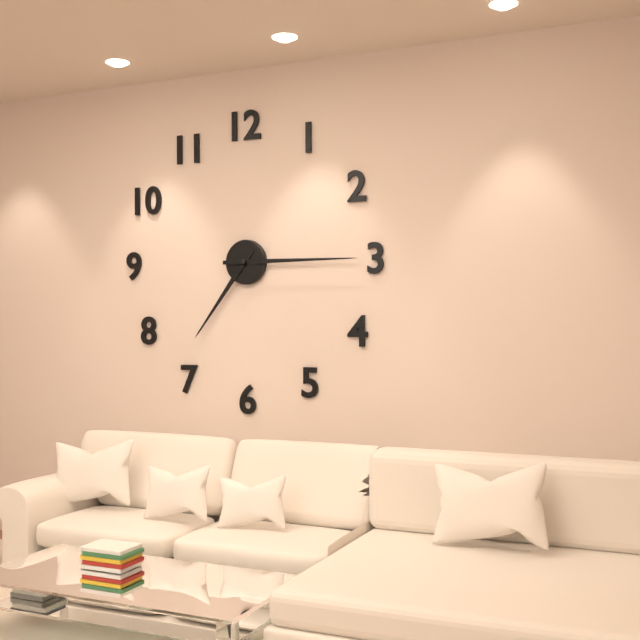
{"hour": 7, "minute": 15}
